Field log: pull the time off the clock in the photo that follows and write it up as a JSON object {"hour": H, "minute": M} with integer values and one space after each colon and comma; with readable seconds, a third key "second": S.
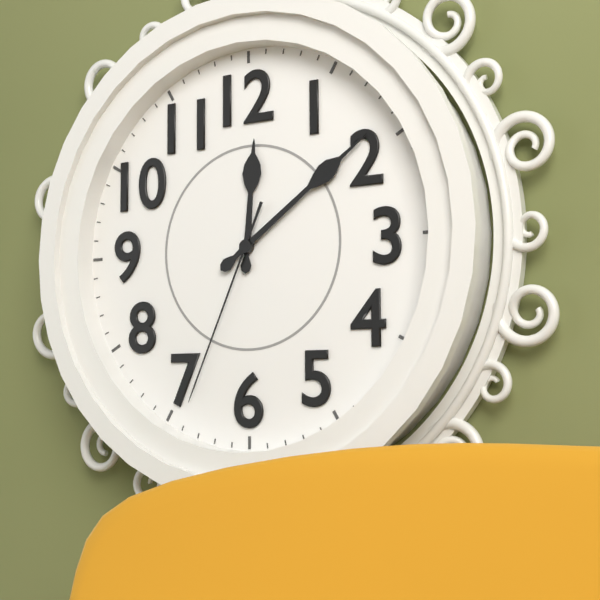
{"hour": 12, "minute": 9, "second": 34}
